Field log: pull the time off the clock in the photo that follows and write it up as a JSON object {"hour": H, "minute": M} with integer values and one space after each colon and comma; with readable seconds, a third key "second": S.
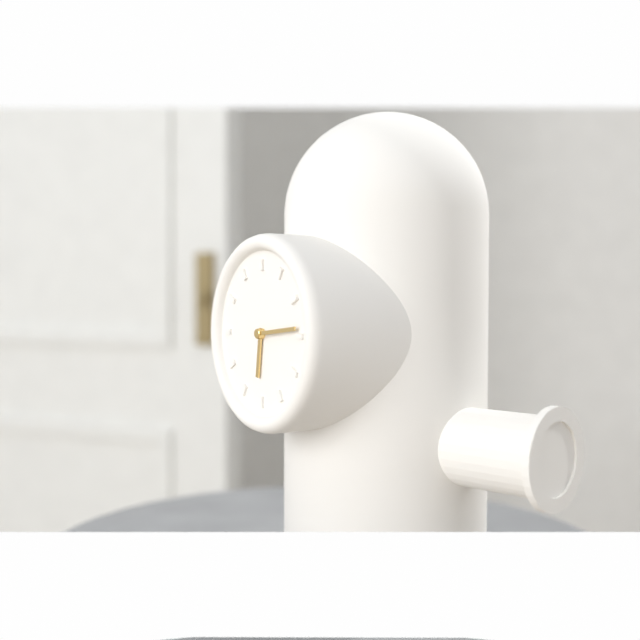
{"hour": 6, "minute": 14}
